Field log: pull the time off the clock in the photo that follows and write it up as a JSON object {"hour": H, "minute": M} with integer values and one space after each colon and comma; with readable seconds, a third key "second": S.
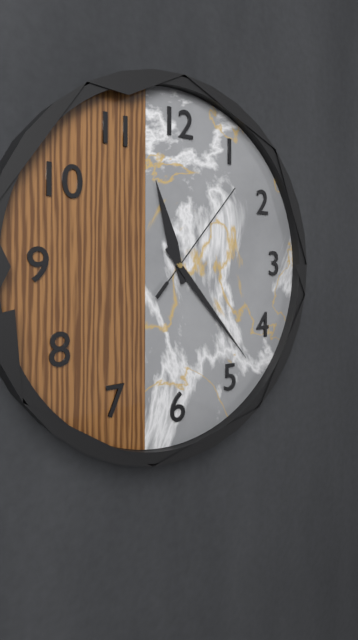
{"hour": 11, "minute": 23, "second": 7}
